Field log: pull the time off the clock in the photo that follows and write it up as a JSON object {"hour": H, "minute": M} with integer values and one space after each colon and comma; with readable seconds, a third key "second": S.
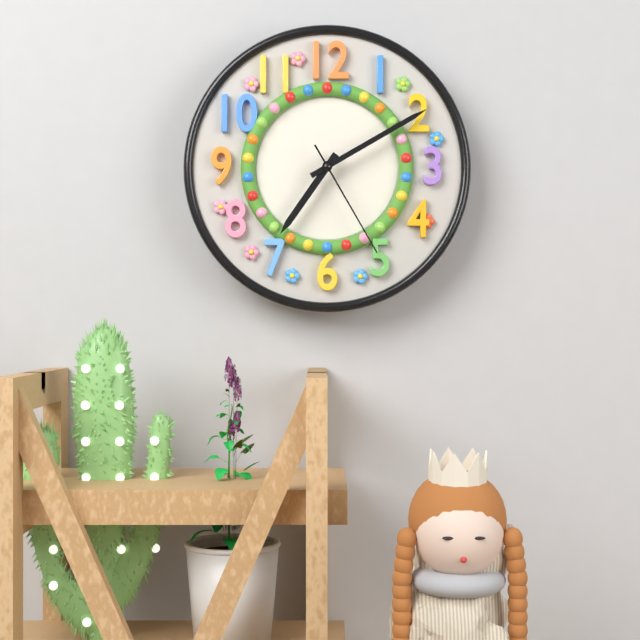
{"hour": 7, "minute": 10, "second": 25}
